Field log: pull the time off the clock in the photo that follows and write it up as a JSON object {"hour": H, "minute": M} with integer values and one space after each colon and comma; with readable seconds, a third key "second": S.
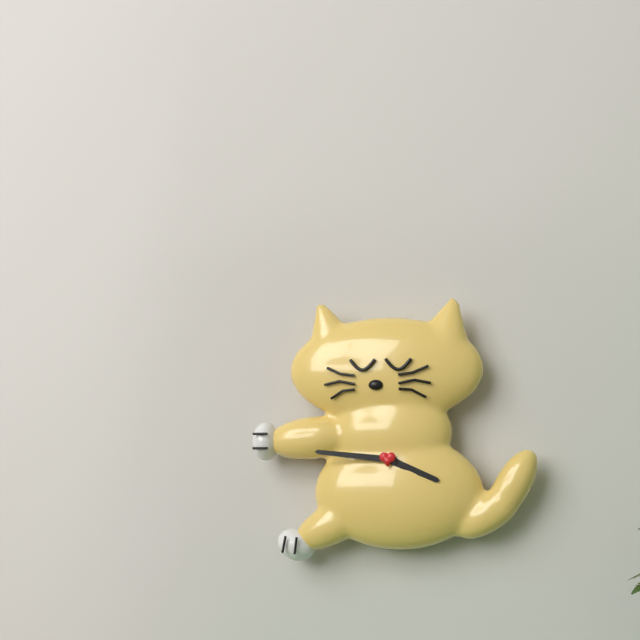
{"hour": 3, "minute": 46}
